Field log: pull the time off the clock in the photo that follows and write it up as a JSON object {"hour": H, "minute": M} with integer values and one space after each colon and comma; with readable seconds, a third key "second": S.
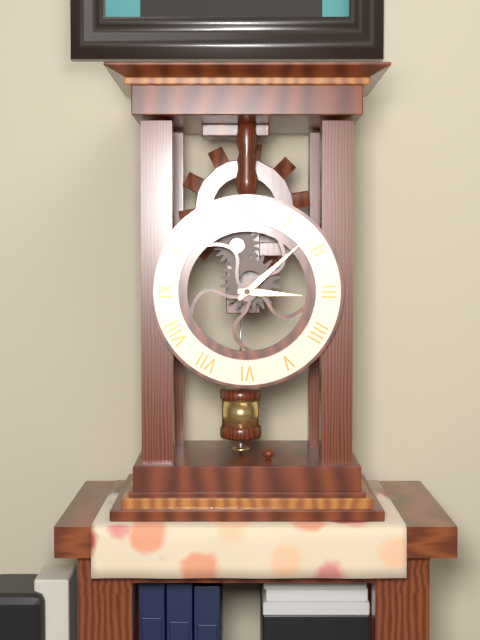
{"hour": 3, "minute": 8}
